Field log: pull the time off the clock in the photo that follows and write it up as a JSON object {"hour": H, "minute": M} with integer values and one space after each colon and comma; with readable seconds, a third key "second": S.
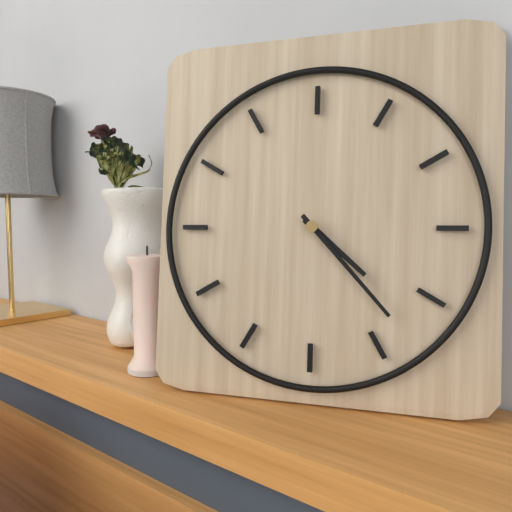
{"hour": 4, "minute": 23}
